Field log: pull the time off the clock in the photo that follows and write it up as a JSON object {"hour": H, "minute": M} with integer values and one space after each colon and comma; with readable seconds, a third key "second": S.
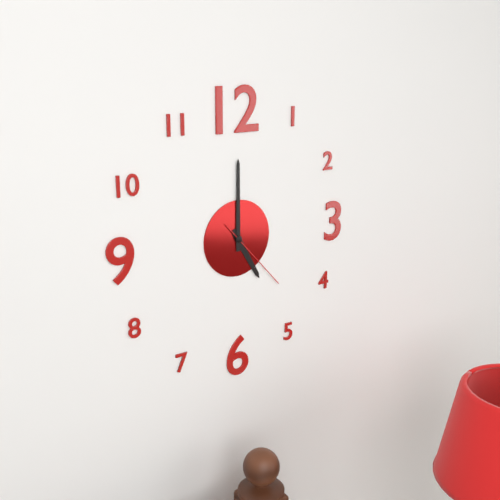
{"hour": 5, "minute": 0, "second": 23}
